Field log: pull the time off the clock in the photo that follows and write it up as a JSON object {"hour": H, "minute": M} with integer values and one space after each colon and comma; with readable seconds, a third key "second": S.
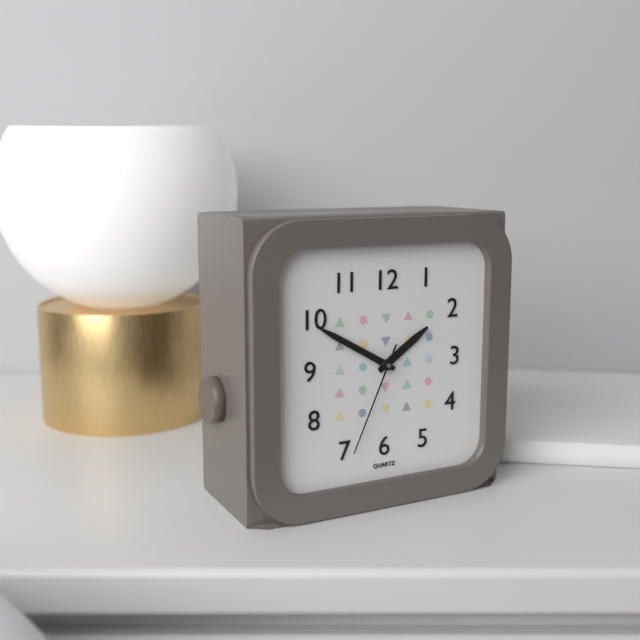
{"hour": 1, "minute": 50, "second": 34}
